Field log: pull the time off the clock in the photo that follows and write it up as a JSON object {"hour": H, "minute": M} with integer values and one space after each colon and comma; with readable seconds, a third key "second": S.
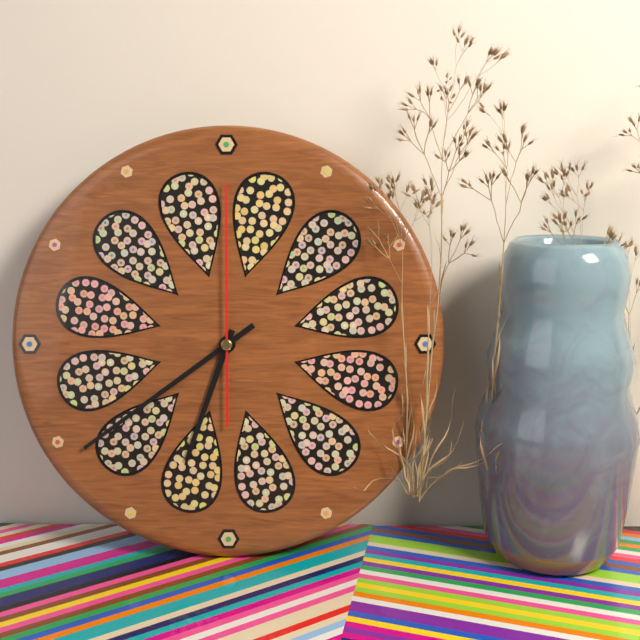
{"hour": 6, "minute": 39, "second": 0}
